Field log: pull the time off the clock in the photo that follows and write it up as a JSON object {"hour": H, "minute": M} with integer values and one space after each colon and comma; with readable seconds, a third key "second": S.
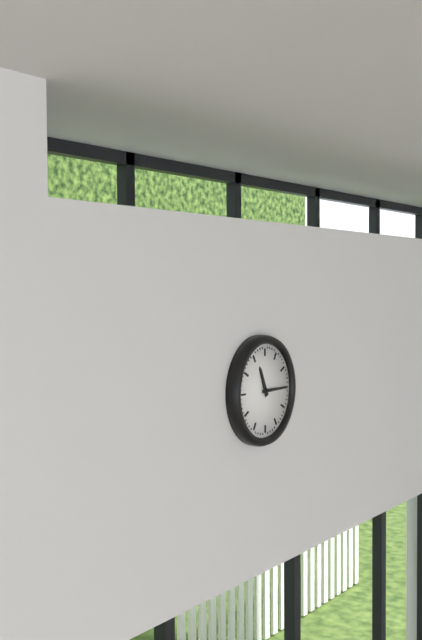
{"hour": 11, "minute": 15}
